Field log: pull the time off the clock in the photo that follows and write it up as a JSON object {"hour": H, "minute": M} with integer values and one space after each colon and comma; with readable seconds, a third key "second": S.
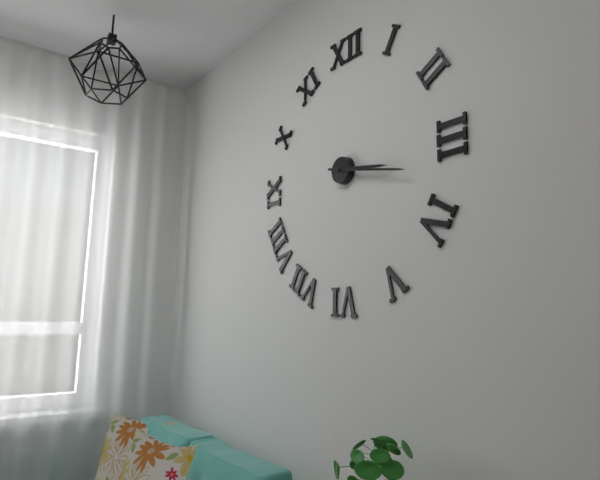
{"hour": 3, "minute": 17}
